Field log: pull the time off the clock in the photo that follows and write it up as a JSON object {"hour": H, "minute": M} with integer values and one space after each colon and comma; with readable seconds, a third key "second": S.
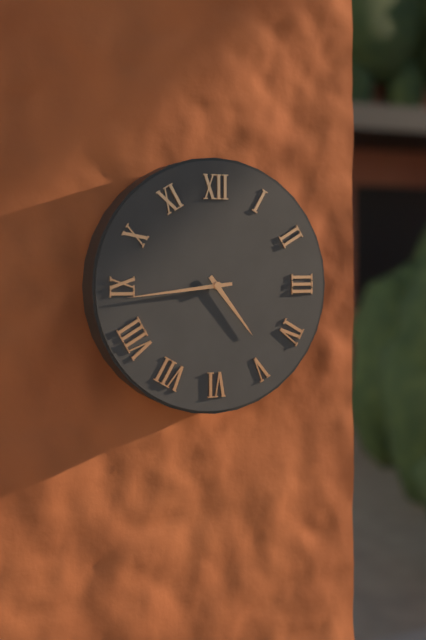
{"hour": 4, "minute": 44}
